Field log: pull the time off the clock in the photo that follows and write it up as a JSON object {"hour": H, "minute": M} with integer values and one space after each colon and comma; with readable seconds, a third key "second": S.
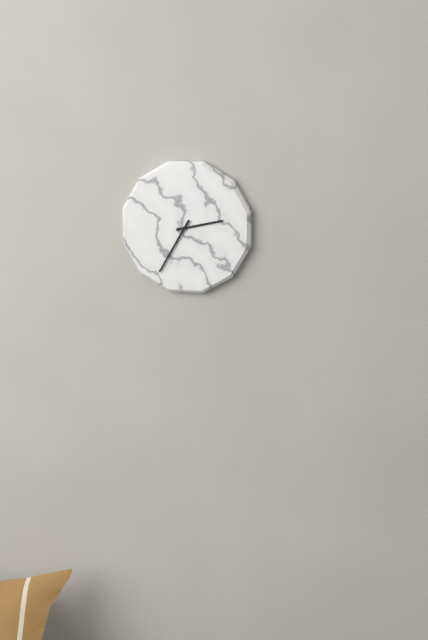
{"hour": 2, "minute": 35}
